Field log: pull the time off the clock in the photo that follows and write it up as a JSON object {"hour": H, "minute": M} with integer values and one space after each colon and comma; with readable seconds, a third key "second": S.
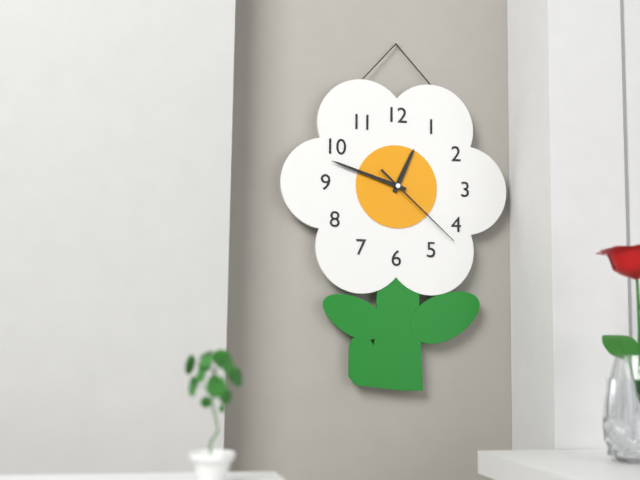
{"hour": 12, "minute": 48, "second": 22}
